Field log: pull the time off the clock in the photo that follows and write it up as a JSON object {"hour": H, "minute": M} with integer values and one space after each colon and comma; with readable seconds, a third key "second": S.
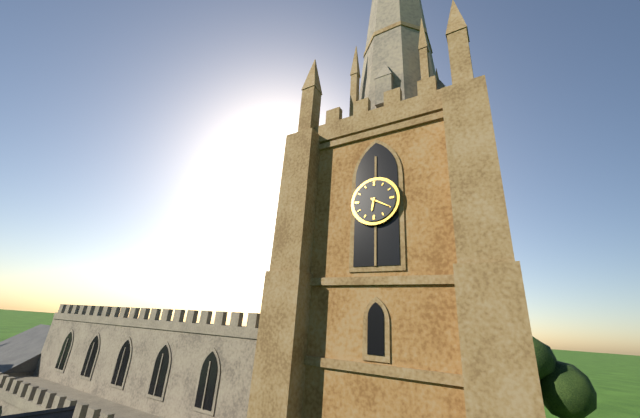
{"hour": 6, "minute": 20}
